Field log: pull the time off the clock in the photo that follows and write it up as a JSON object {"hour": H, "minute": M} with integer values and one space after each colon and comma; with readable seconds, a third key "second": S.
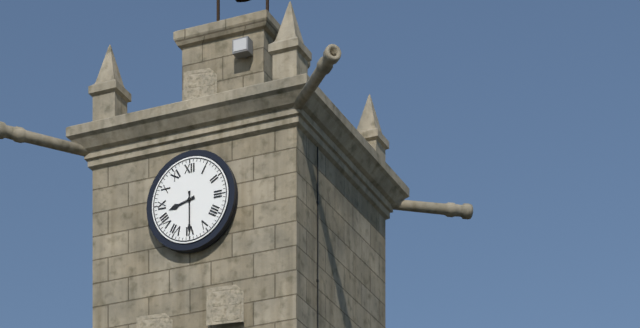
{"hour": 8, "minute": 30}
